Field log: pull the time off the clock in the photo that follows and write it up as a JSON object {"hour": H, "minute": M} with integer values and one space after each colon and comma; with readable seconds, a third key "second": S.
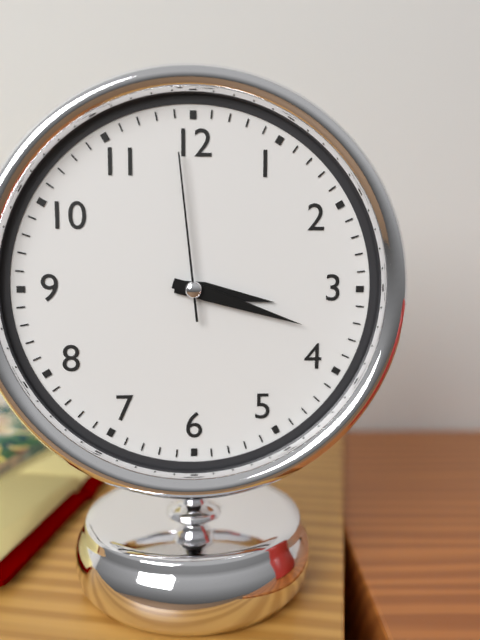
{"hour": 3, "minute": 18, "second": 59}
